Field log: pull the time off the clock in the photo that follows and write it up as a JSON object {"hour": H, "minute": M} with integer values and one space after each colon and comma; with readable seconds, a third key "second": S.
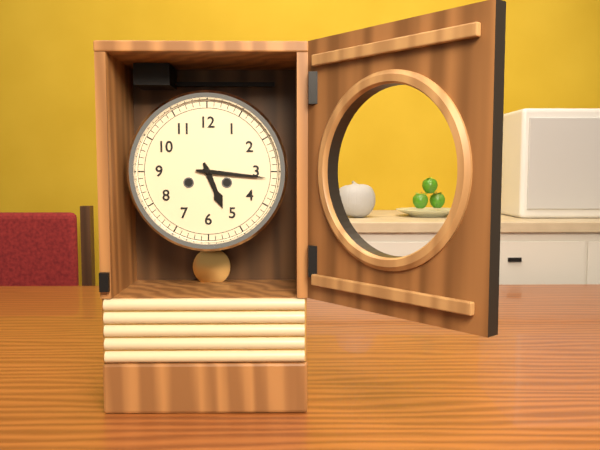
{"hour": 5, "minute": 16}
